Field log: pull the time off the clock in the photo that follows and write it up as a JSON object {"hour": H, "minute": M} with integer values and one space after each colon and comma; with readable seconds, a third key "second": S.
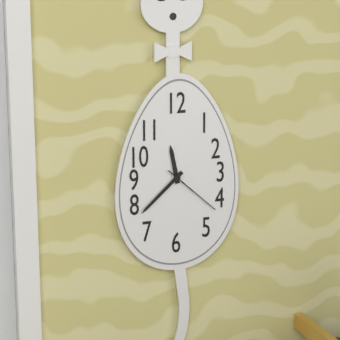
{"hour": 11, "minute": 38, "second": 22}
